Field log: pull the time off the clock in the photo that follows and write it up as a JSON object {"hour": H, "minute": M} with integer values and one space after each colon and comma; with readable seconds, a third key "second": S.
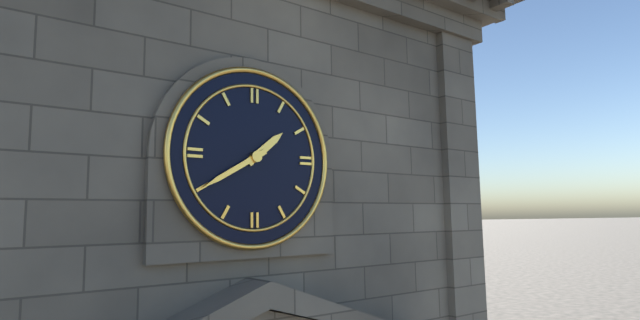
{"hour": 1, "minute": 40}
